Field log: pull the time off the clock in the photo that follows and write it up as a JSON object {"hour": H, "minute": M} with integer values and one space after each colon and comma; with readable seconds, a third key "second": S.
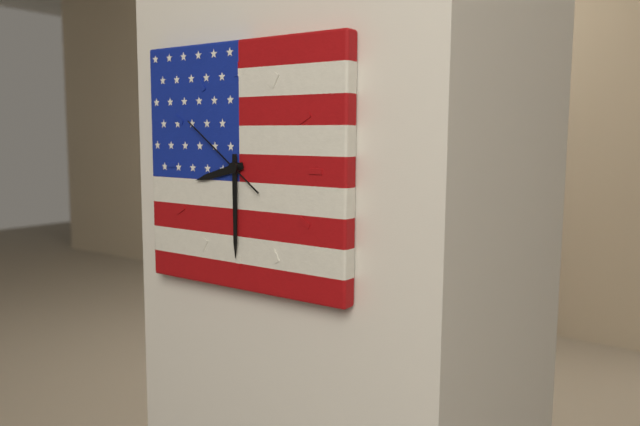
{"hour": 8, "minute": 30, "second": 51}
